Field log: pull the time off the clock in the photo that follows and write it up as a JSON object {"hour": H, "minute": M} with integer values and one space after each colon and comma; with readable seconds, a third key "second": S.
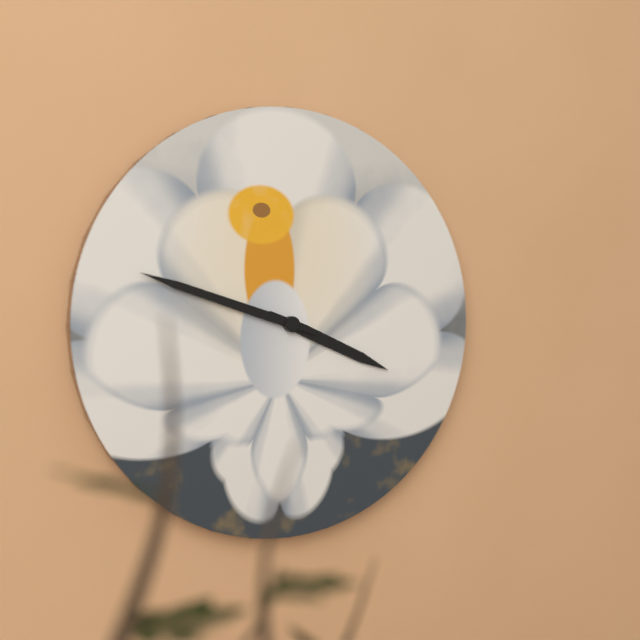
{"hour": 3, "minute": 48}
